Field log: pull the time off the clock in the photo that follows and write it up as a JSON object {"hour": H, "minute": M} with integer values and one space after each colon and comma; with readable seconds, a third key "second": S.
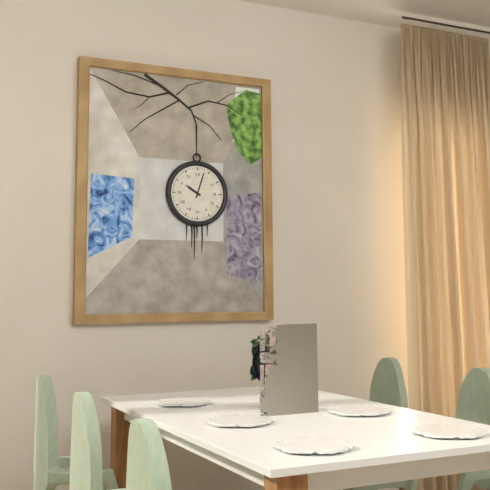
{"hour": 10, "minute": 3}
